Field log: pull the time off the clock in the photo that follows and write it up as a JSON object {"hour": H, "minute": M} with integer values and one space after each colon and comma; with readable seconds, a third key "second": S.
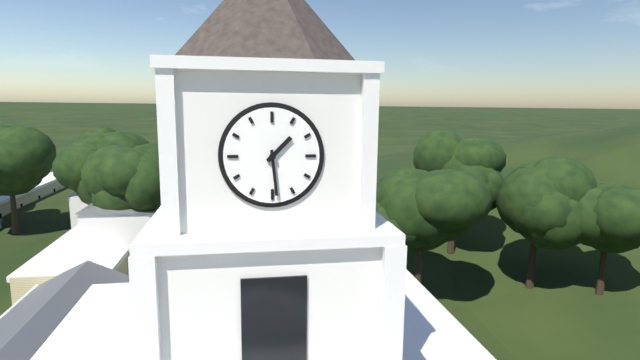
{"hour": 1, "minute": 29}
